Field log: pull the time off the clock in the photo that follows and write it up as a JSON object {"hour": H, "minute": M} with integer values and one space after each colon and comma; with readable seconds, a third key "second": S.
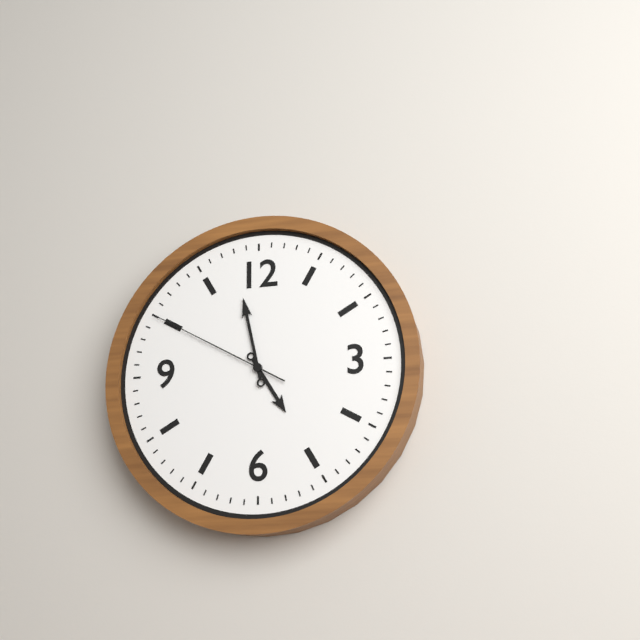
{"hour": 4, "minute": 58, "second": 50}
